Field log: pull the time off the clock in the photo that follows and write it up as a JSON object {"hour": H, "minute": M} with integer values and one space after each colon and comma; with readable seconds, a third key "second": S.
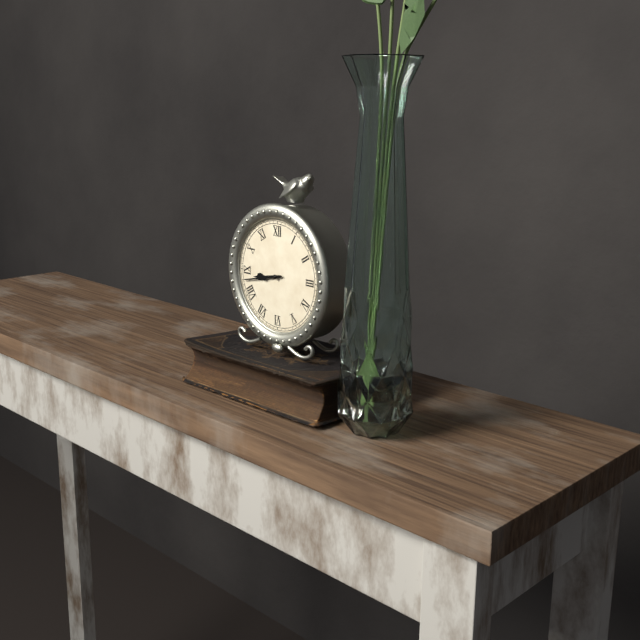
{"hour": 8, "minute": 43}
